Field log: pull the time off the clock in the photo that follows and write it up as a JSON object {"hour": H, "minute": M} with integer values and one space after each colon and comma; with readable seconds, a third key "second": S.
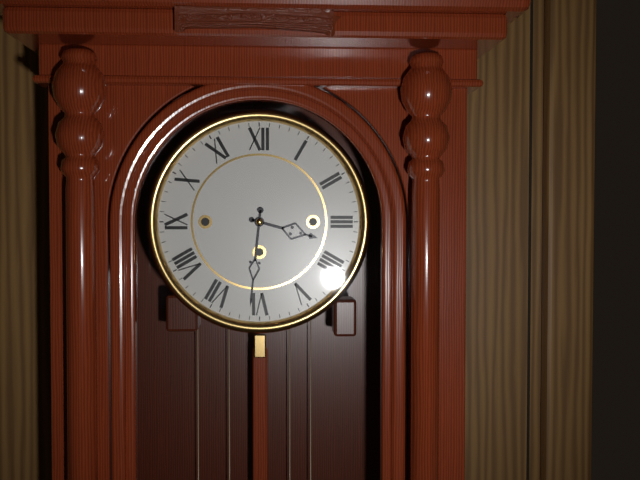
{"hour": 3, "minute": 31}
